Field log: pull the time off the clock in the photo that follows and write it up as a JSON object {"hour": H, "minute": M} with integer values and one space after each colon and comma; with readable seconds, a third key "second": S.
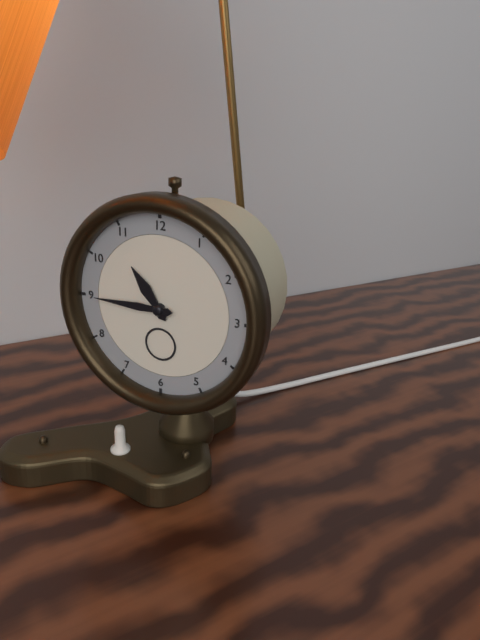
{"hour": 10, "minute": 45}
